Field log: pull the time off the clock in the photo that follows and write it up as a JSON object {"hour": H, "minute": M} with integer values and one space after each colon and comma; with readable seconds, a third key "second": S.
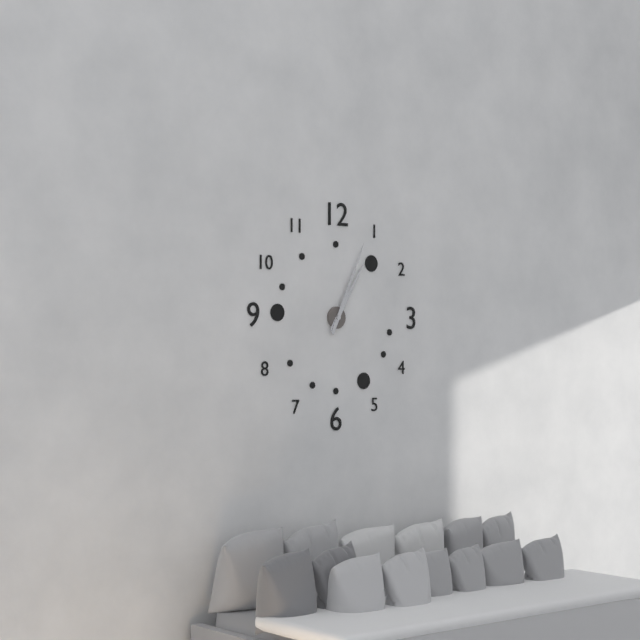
{"hour": 1, "minute": 4}
